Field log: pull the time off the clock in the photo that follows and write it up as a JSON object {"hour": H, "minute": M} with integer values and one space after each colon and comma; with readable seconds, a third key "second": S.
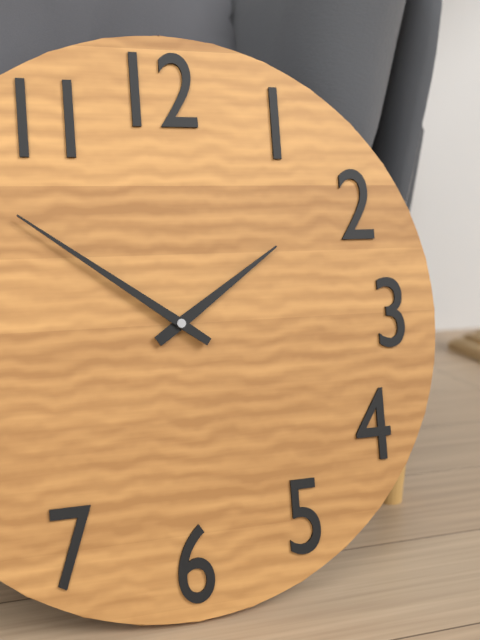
{"hour": 1, "minute": 51}
